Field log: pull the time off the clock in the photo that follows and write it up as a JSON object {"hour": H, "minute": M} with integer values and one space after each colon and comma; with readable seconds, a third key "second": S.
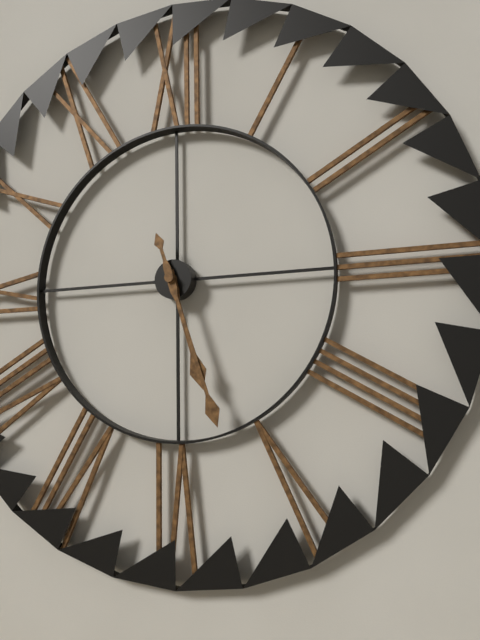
{"hour": 5, "minute": 27}
